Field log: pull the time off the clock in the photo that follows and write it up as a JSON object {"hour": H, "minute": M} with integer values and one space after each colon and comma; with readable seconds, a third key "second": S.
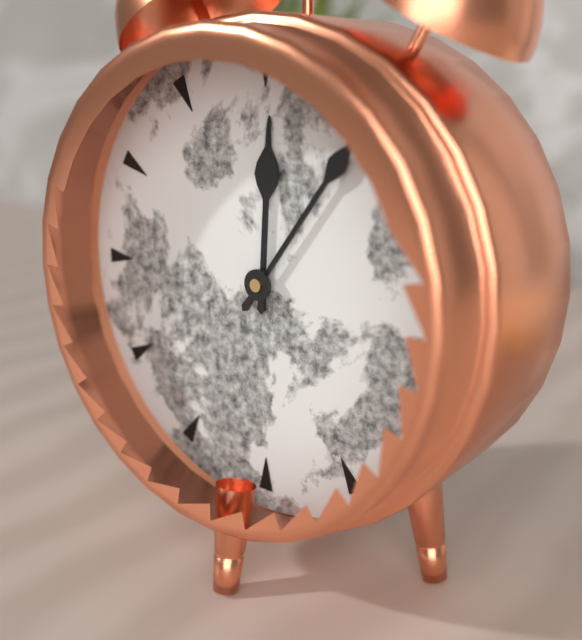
{"hour": 12, "minute": 6}
